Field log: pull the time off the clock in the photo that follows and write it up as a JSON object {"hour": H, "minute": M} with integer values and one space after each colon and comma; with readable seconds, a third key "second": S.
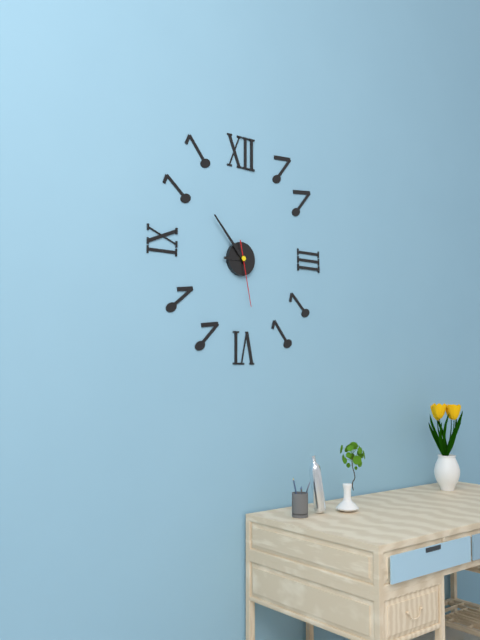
{"hour": 8, "minute": 53, "second": 28}
